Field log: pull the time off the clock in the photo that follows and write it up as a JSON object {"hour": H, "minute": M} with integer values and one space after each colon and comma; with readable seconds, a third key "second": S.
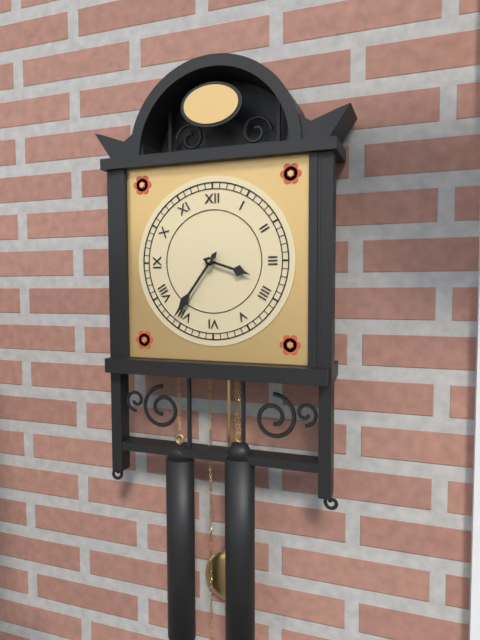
{"hour": 3, "minute": 36}
